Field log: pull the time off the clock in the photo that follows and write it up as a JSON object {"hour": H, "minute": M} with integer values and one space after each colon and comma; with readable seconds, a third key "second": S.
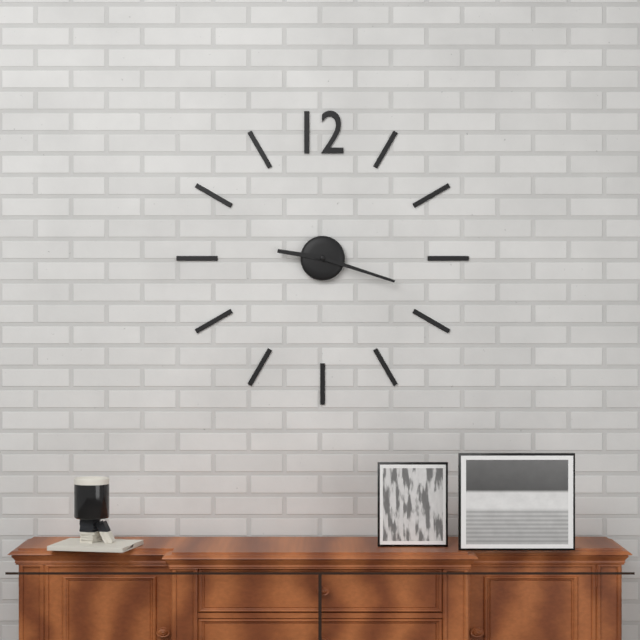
{"hour": 9, "minute": 18}
